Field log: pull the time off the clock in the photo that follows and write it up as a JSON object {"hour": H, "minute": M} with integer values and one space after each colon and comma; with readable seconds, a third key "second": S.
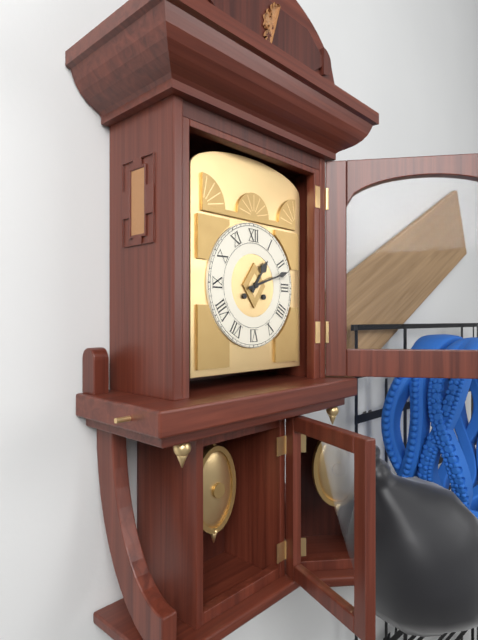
{"hour": 1, "minute": 12}
